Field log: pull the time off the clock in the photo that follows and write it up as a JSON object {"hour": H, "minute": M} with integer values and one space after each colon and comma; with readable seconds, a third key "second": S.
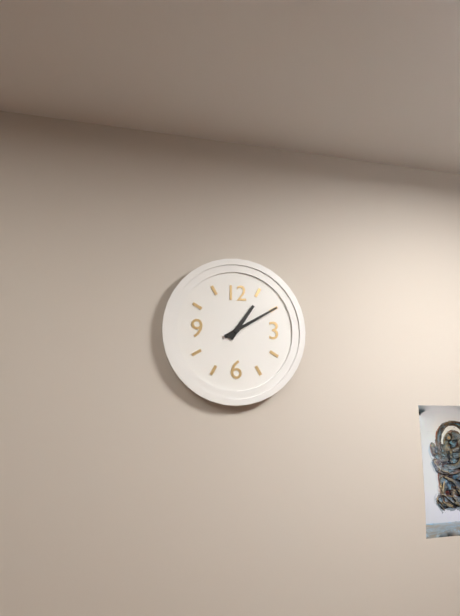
{"hour": 1, "minute": 10}
